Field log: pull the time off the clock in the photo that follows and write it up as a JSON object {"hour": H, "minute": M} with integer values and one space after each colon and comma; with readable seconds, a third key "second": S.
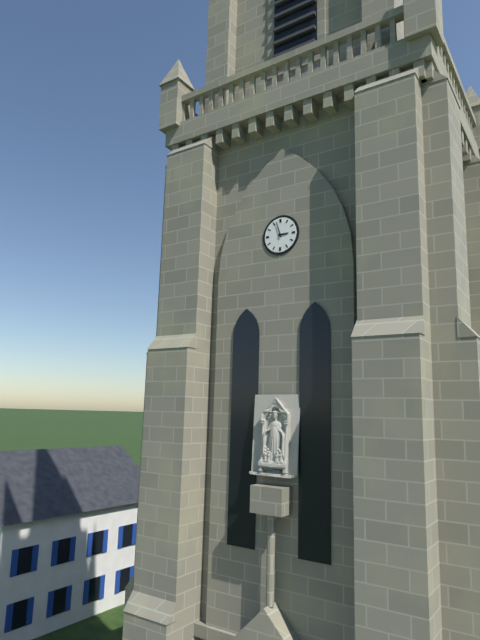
{"hour": 2, "minute": 57}
